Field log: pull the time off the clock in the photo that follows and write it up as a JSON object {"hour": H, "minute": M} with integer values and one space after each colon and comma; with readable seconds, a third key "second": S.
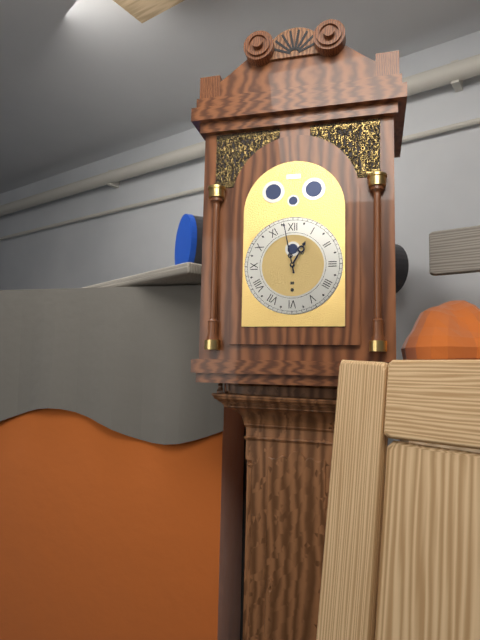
{"hour": 12, "minute": 58}
